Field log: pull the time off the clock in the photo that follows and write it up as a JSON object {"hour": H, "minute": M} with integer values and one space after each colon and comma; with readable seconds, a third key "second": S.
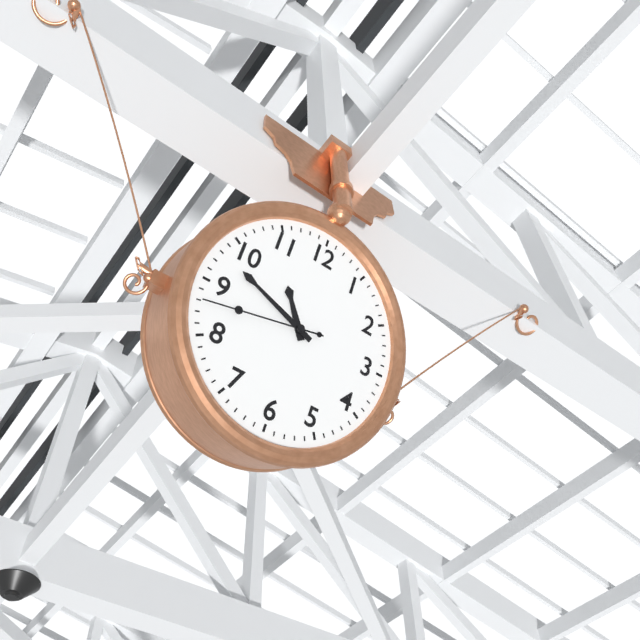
{"hour": 10, "minute": 48, "second": 43}
